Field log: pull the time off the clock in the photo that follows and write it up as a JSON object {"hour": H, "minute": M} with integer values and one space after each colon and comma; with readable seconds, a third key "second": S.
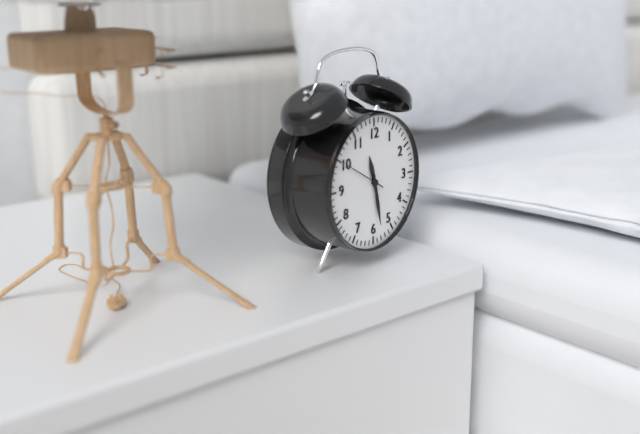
{"hour": 11, "minute": 28}
